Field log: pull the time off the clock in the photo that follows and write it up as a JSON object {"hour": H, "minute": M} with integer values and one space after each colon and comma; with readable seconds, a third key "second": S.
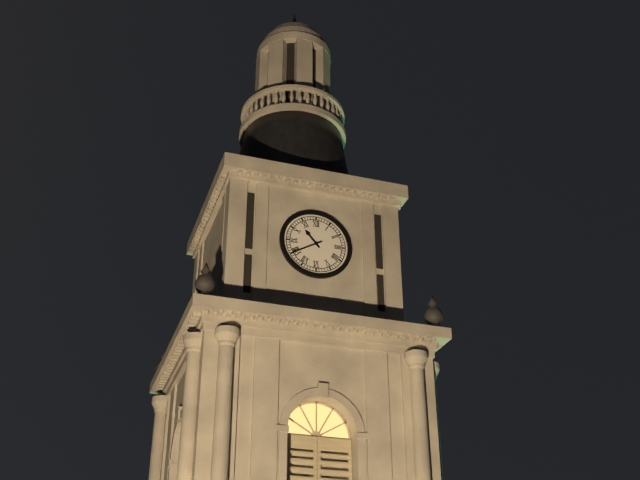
{"hour": 10, "minute": 40}
